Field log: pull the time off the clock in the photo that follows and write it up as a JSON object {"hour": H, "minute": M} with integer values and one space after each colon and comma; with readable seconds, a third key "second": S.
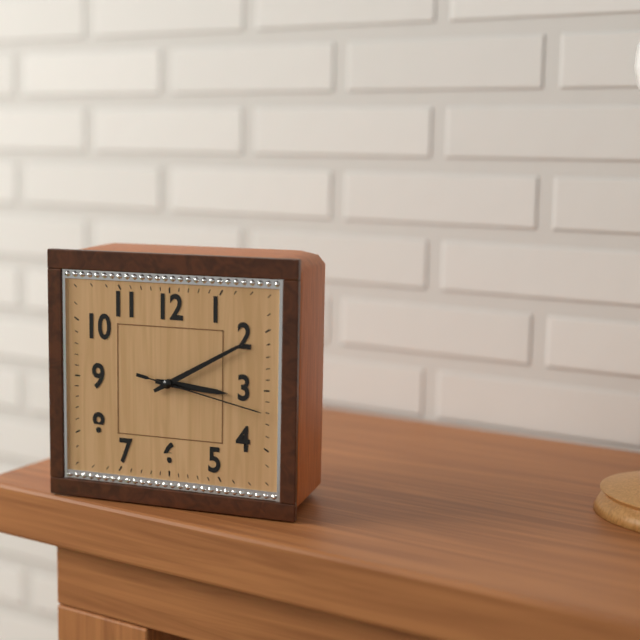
{"hour": 3, "minute": 10, "second": 17}
